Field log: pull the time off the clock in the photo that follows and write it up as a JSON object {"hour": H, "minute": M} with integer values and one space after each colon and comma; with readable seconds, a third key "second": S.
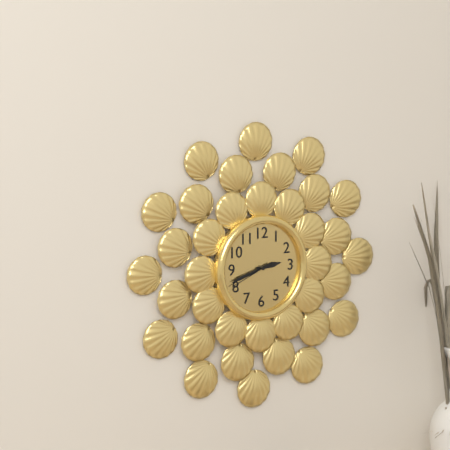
{"hour": 2, "minute": 42}
